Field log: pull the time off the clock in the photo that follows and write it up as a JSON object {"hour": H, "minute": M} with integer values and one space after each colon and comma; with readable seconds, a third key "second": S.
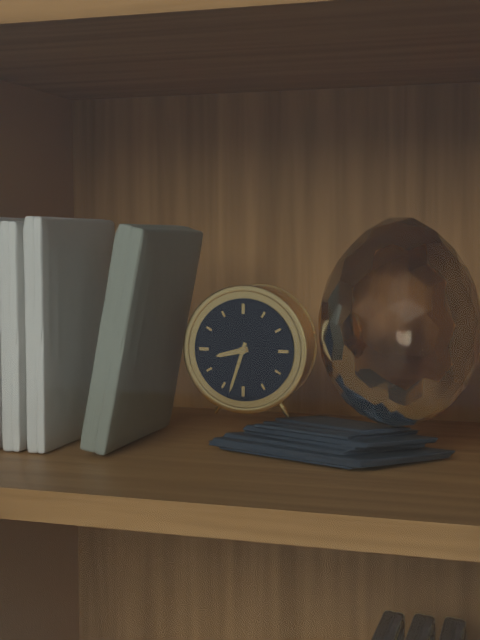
{"hour": 8, "minute": 33}
